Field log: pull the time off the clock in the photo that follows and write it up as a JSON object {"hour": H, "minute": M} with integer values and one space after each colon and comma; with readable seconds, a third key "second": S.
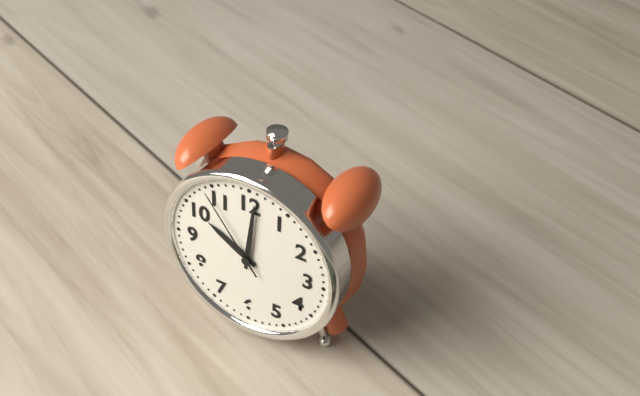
{"hour": 10, "minute": 1, "second": 54}
